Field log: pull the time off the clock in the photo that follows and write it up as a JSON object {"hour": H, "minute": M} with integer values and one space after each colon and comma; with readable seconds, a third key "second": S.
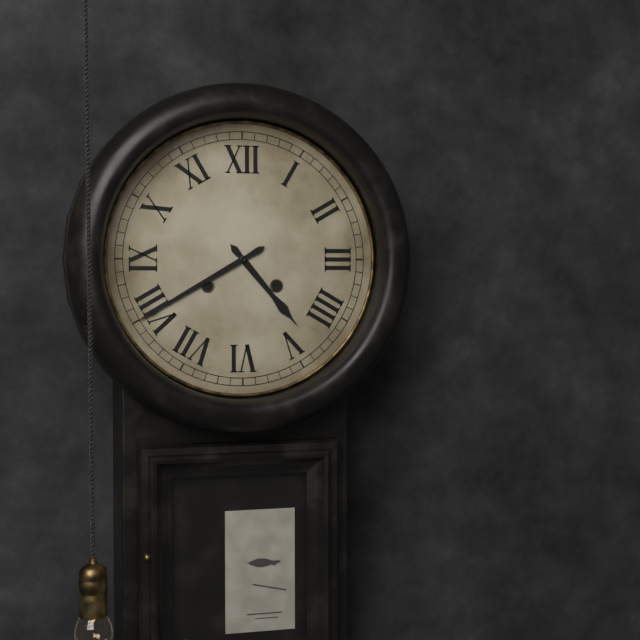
{"hour": 4, "minute": 40}
